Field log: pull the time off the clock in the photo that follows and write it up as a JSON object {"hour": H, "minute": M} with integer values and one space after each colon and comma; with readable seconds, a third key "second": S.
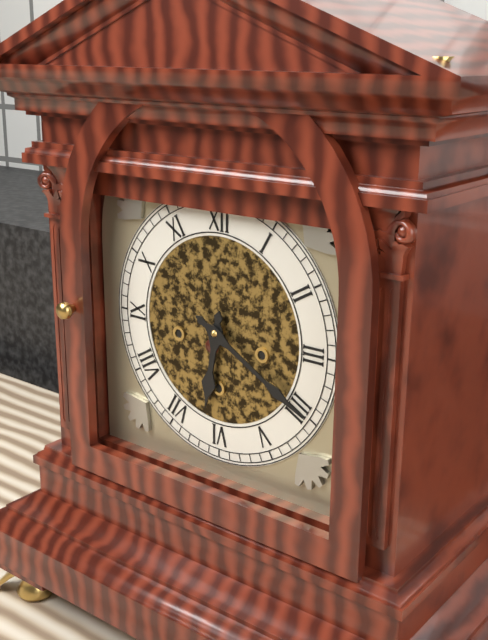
{"hour": 6, "minute": 20}
